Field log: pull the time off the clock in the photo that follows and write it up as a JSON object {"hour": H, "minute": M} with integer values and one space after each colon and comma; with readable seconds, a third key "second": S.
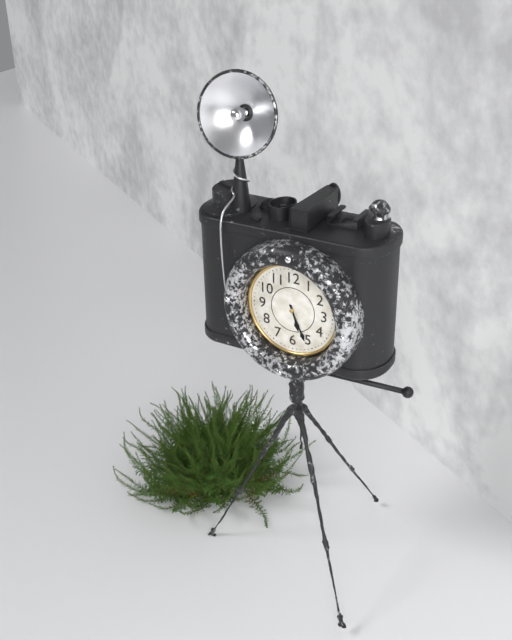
{"hour": 5, "minute": 26}
